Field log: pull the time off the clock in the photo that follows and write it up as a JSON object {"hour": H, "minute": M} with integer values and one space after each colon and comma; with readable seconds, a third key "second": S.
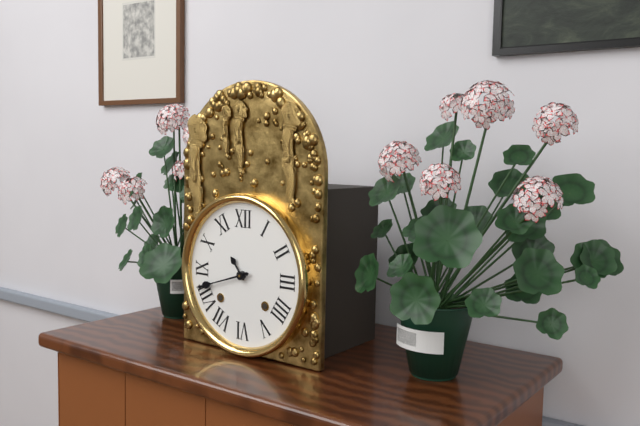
{"hour": 10, "minute": 42}
